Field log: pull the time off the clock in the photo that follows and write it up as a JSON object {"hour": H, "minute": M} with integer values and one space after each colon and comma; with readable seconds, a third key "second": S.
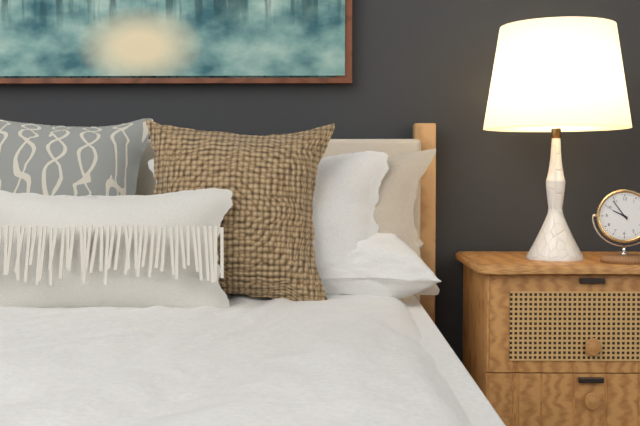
{"hour": 9, "minute": 54}
